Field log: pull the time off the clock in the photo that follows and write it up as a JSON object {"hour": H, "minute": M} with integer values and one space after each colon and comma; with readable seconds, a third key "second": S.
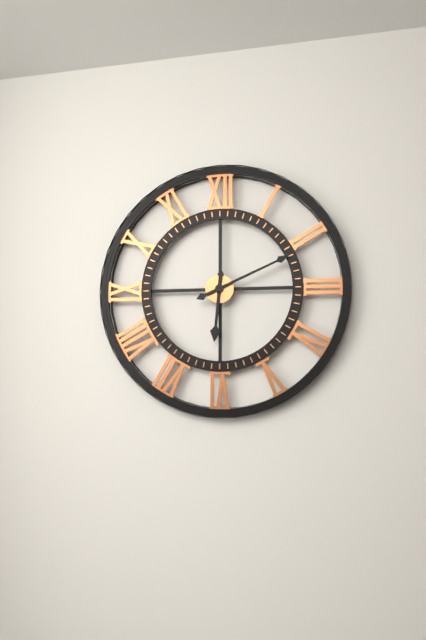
{"hour": 6, "minute": 11}
